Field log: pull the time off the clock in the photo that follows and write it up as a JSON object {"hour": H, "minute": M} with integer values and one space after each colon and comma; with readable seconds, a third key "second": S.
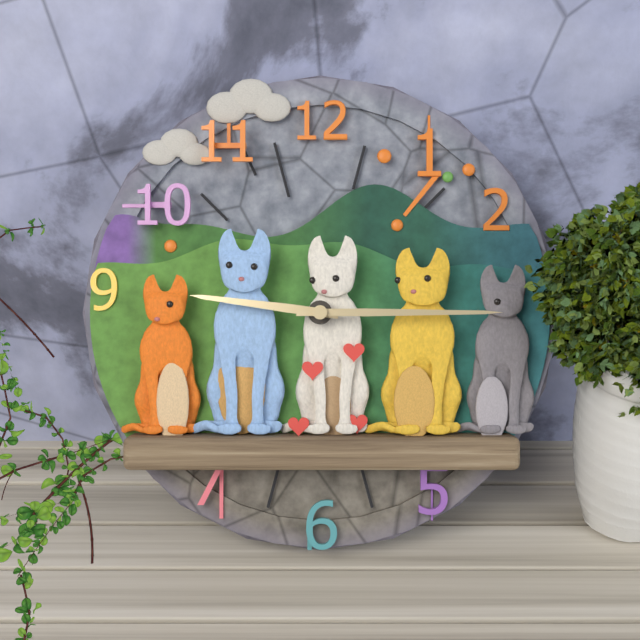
{"hour": 9, "minute": 15}
